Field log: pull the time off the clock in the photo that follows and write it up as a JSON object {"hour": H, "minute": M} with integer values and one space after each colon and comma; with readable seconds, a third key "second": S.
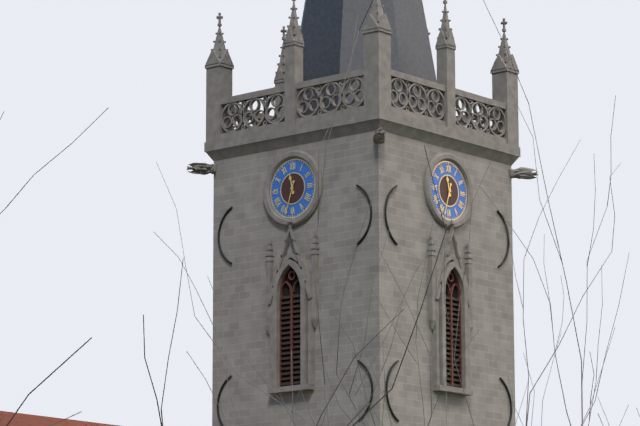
{"hour": 11, "minute": 33}
